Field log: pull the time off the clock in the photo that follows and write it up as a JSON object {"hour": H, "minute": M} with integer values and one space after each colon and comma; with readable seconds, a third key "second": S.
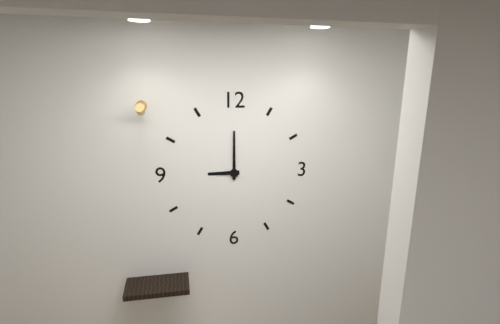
{"hour": 9, "minute": 0}
